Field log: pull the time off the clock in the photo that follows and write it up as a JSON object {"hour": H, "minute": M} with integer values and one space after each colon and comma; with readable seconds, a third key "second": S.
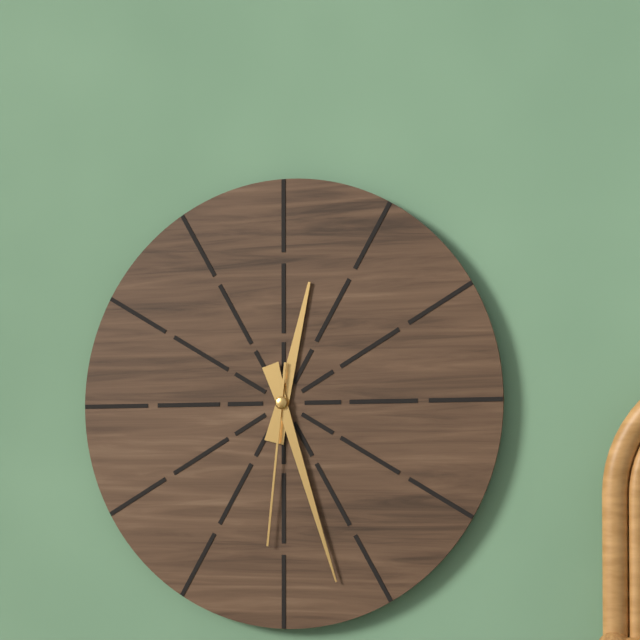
{"hour": 12, "minute": 27, "second": 31}
